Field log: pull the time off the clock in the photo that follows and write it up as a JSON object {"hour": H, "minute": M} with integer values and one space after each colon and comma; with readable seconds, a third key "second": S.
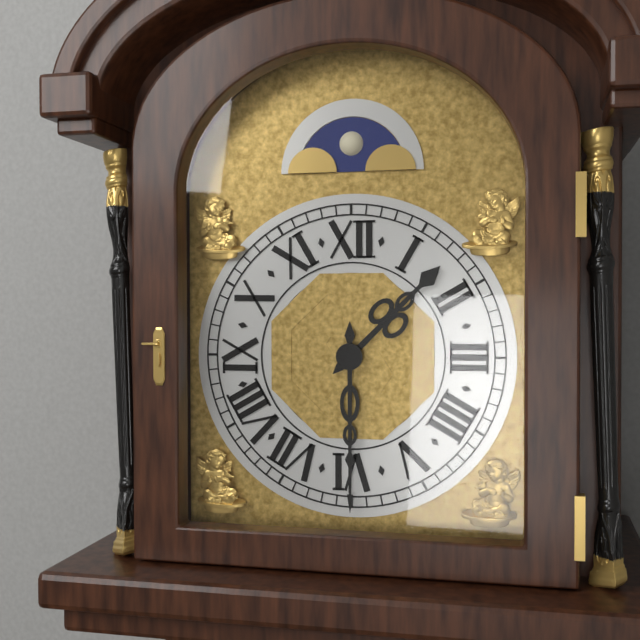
{"hour": 1, "minute": 30}
